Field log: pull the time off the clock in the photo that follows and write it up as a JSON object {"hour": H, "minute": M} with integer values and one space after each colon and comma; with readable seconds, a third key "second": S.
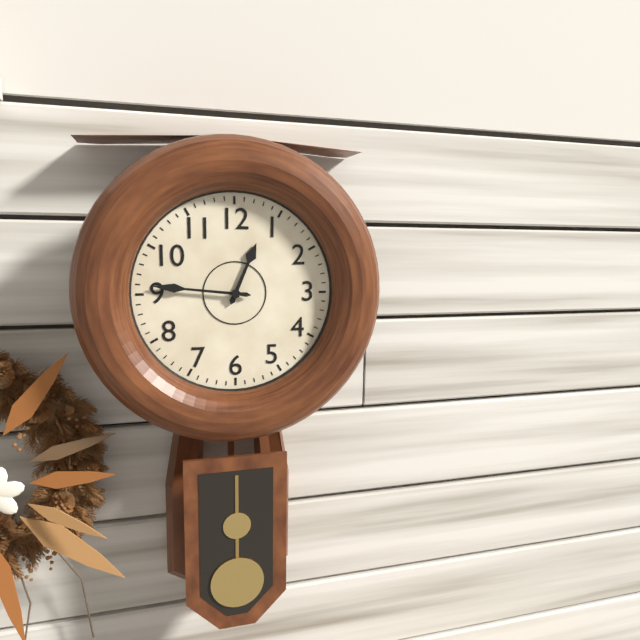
{"hour": 12, "minute": 46}
